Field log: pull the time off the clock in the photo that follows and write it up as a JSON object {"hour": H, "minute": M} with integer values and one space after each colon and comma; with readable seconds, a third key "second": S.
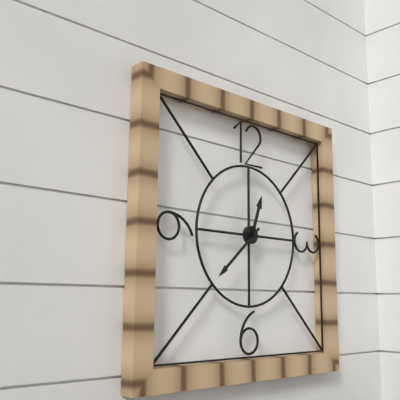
{"hour": 12, "minute": 38}
